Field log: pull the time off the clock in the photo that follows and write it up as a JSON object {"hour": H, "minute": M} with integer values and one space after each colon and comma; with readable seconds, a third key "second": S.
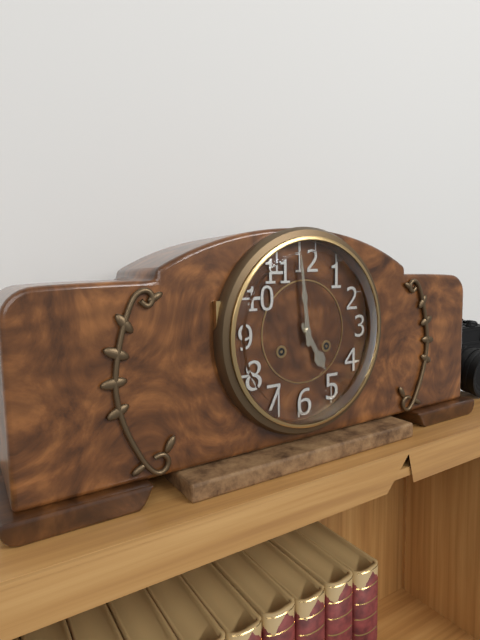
{"hour": 4, "minute": 59}
